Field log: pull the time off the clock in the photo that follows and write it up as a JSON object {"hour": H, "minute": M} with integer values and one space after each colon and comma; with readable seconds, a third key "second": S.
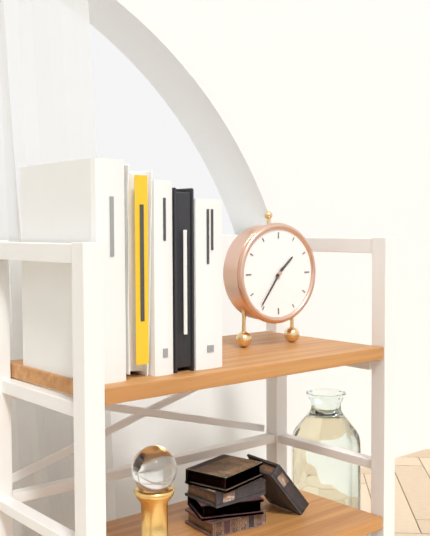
{"hour": 1, "minute": 36}
